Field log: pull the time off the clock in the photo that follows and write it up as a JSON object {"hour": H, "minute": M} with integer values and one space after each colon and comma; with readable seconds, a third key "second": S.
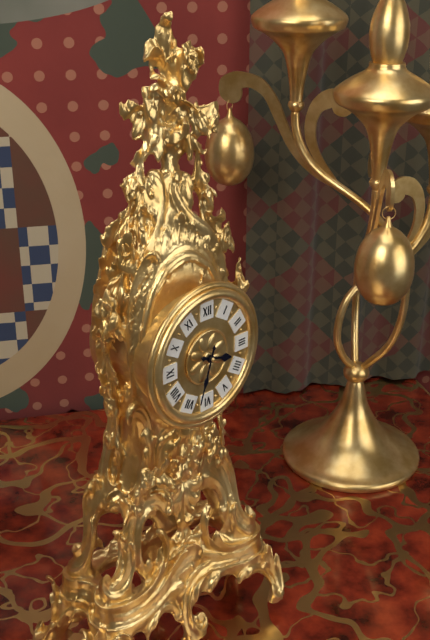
{"hour": 3, "minute": 33}
